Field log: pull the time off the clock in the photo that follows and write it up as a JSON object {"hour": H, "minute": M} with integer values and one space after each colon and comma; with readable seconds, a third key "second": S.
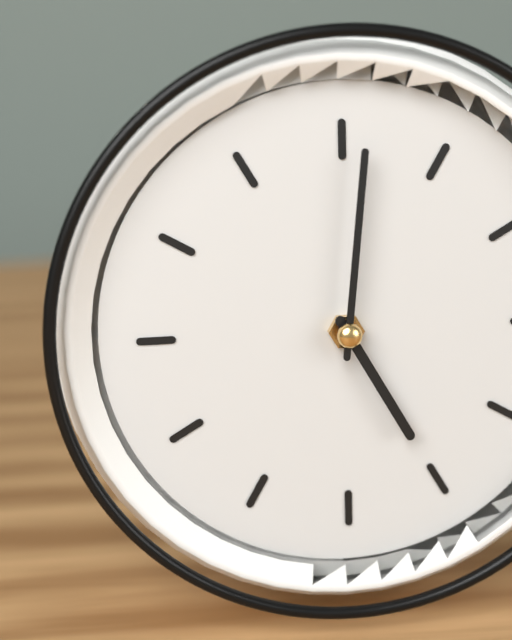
{"hour": 5, "minute": 1}
